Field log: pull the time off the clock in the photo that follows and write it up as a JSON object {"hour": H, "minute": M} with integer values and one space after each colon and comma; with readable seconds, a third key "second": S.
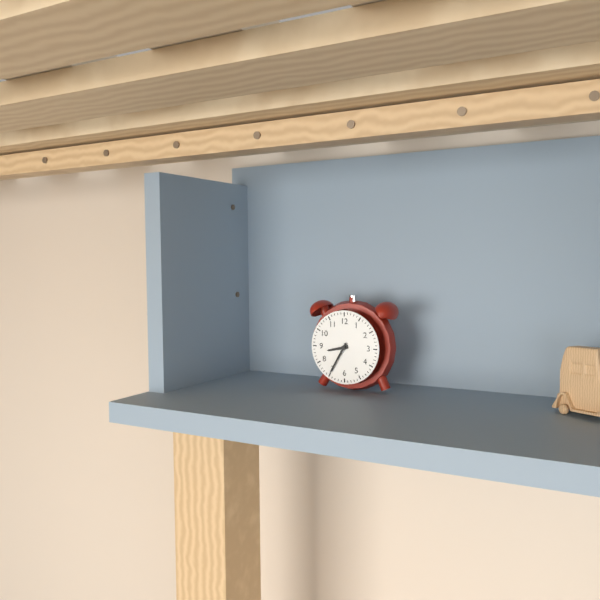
{"hour": 8, "minute": 35}
